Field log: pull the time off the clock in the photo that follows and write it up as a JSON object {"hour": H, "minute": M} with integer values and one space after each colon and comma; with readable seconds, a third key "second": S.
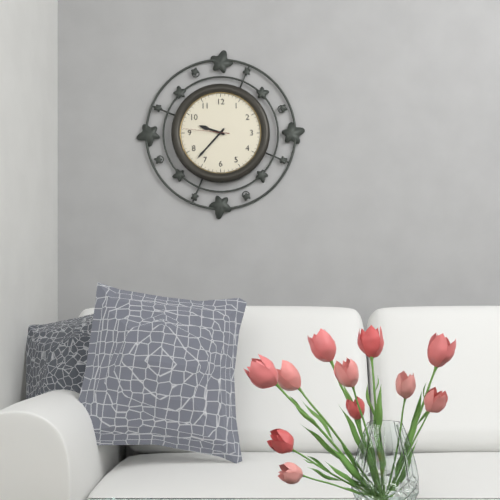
{"hour": 9, "minute": 37}
